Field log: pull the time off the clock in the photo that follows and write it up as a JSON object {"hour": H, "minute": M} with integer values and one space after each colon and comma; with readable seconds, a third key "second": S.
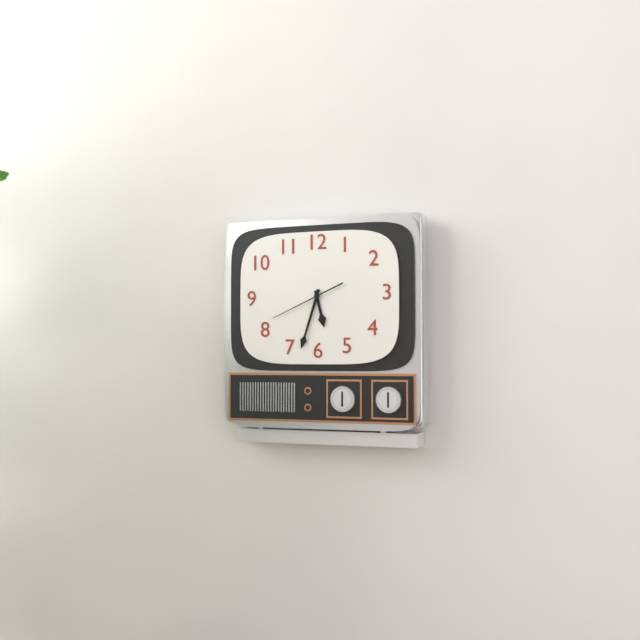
{"hour": 5, "minute": 33, "second": 41}
